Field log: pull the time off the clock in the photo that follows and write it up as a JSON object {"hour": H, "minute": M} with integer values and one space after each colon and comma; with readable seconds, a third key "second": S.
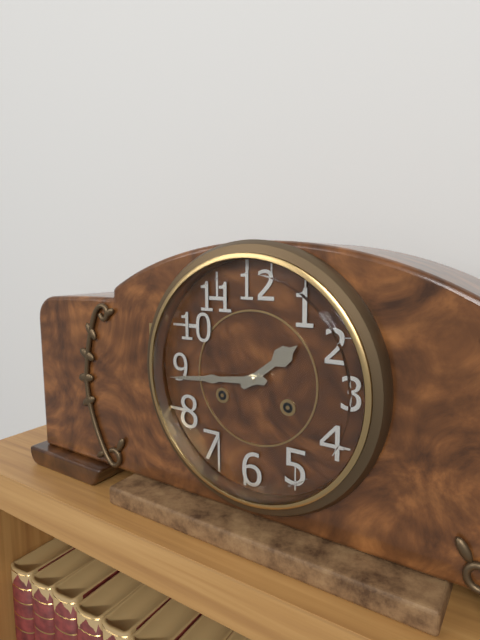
{"hour": 1, "minute": 44}
